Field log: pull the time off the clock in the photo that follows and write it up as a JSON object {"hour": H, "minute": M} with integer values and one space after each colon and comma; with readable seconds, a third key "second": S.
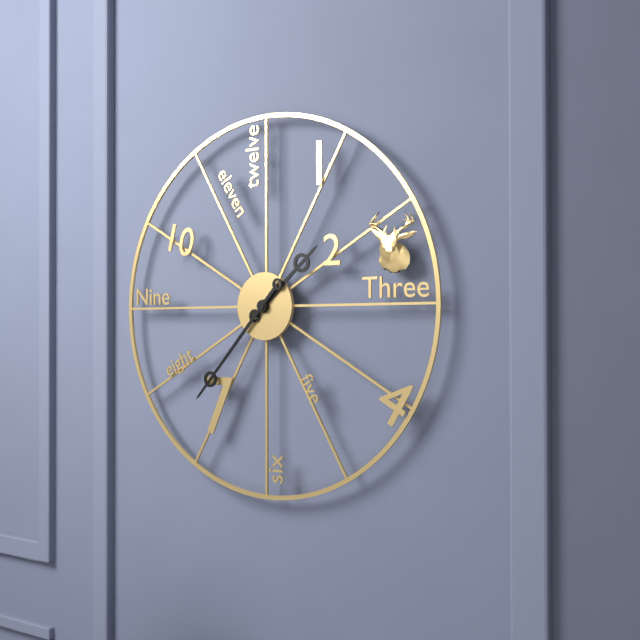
{"hour": 1, "minute": 37}
